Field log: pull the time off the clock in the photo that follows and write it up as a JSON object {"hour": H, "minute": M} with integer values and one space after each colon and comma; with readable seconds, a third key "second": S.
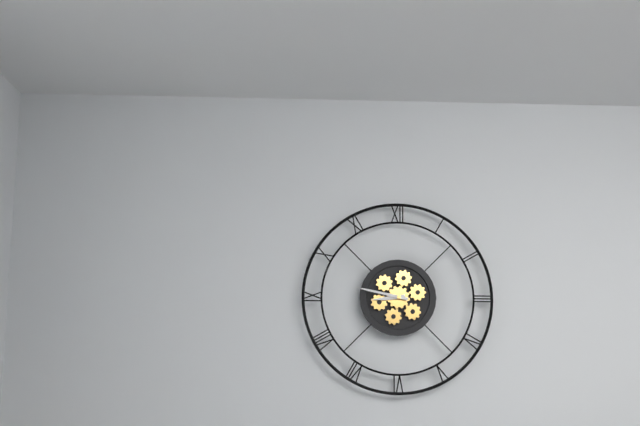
{"hour": 8, "minute": 47}
